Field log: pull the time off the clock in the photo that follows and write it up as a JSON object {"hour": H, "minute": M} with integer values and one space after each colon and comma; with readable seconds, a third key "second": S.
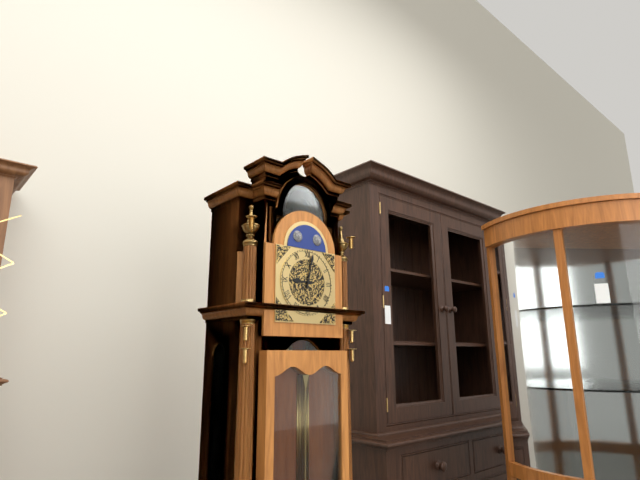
{"hour": 9, "minute": 2}
